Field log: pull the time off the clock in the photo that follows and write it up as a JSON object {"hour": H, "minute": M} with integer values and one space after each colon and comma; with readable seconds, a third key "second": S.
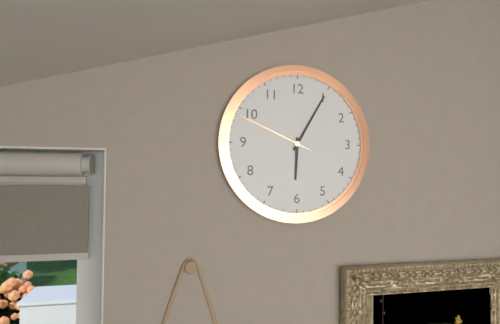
{"hour": 6, "minute": 5, "second": 49}
